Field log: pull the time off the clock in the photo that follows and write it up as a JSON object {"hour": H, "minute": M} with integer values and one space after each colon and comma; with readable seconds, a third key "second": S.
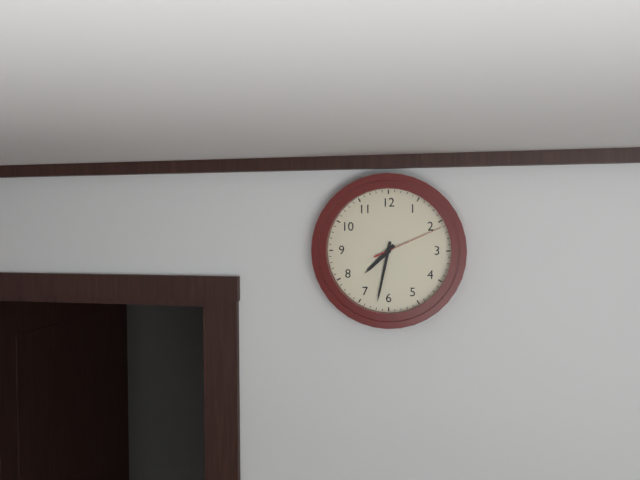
{"hour": 7, "minute": 32, "second": 11}
